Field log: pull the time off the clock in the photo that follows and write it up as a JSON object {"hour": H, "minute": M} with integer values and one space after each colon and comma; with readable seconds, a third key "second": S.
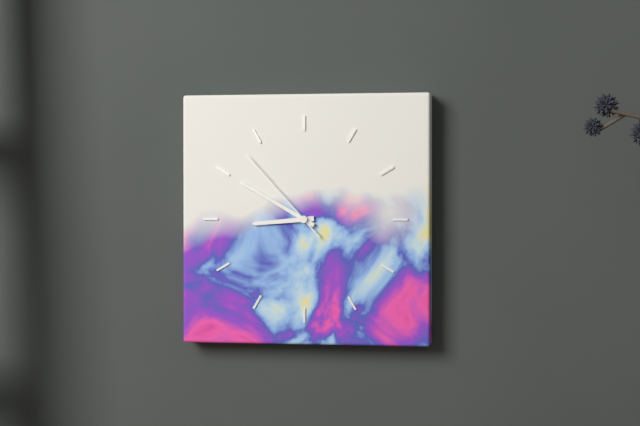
{"hour": 8, "minute": 50, "second": 53}
